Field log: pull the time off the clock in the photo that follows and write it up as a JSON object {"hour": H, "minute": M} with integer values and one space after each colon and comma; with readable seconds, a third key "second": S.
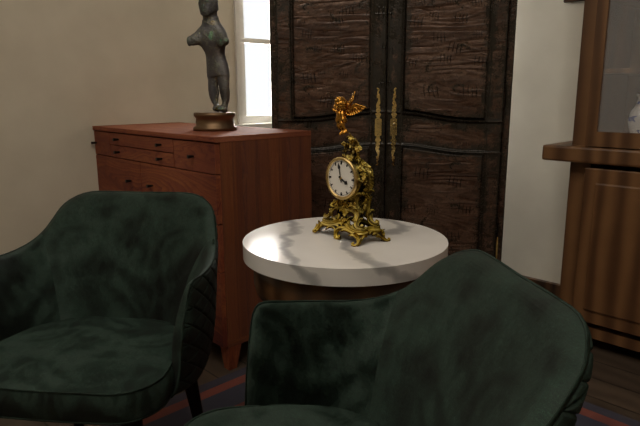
{"hour": 3, "minute": 58}
